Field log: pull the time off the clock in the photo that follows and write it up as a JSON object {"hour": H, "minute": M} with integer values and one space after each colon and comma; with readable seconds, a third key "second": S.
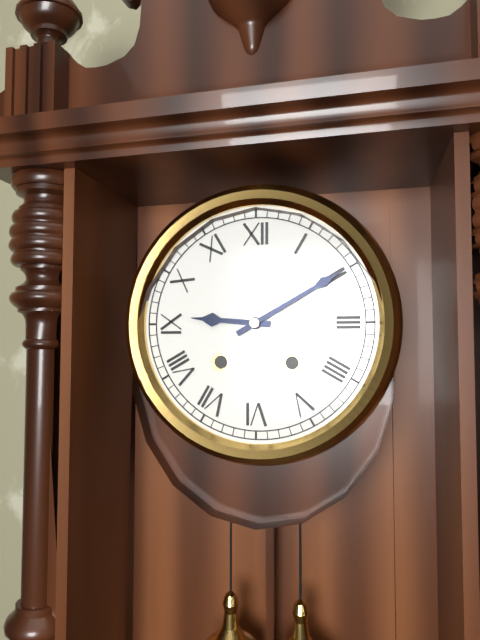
{"hour": 9, "minute": 10}
